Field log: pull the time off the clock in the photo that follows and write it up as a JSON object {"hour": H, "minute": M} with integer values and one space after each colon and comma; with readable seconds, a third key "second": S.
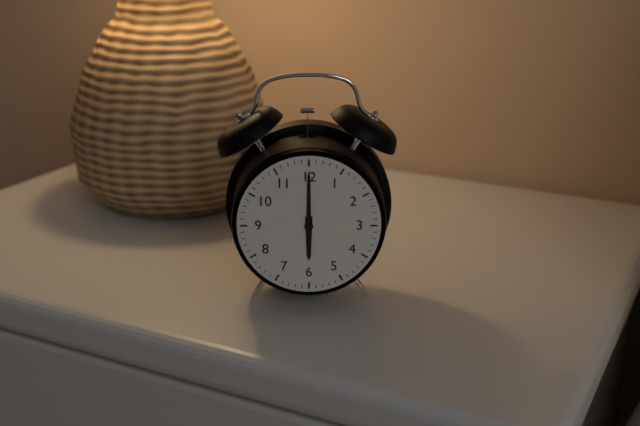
{"hour": 6, "minute": 0}
